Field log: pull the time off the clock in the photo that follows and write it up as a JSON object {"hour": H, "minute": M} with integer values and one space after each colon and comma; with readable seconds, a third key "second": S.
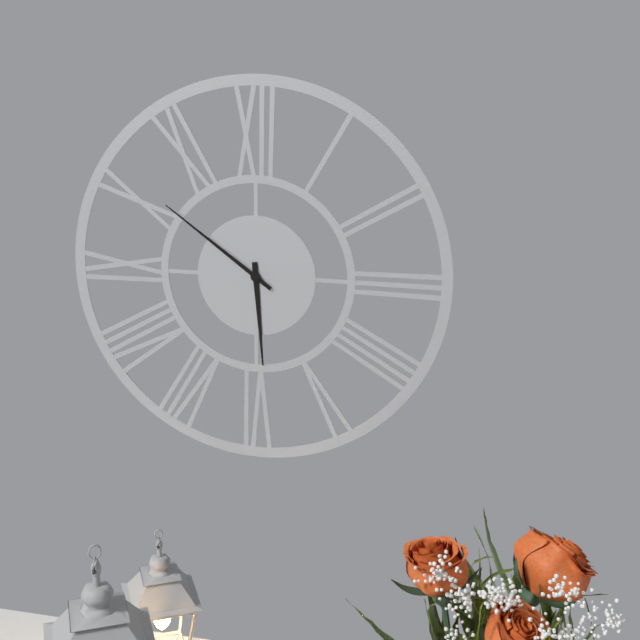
{"hour": 5, "minute": 51}
